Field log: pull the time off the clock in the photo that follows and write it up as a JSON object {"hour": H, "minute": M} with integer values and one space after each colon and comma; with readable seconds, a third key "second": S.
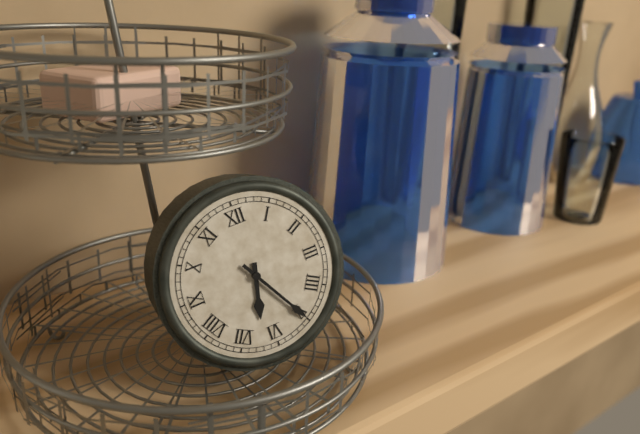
{"hour": 6, "minute": 25}
